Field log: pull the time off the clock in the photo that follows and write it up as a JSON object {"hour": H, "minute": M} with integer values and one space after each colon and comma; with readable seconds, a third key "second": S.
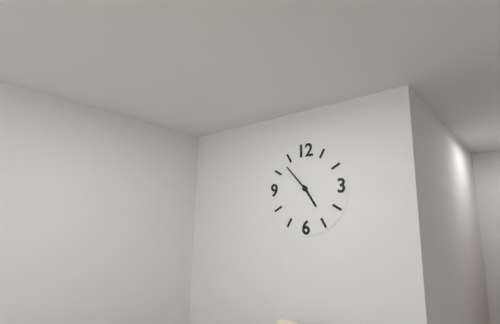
{"hour": 4, "minute": 53}
